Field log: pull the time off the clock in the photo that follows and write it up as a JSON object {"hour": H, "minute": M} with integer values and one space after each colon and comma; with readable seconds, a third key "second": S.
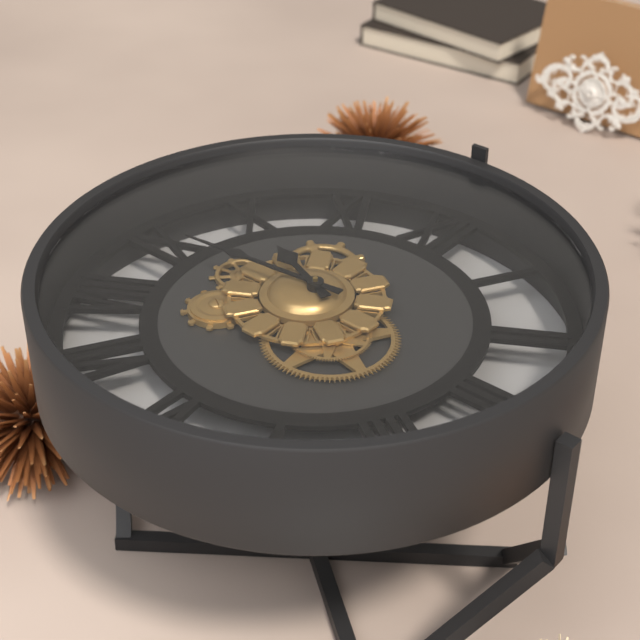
{"hour": 9, "minute": 44}
